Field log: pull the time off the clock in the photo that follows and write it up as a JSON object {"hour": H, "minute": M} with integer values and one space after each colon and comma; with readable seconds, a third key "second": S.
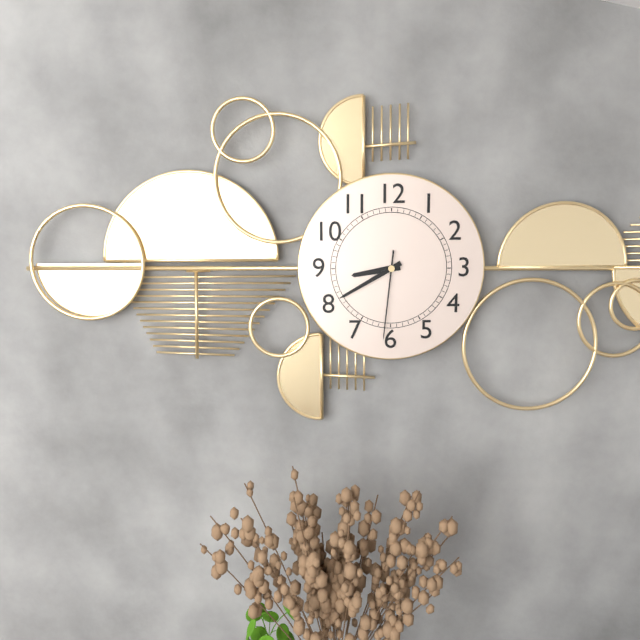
{"hour": 8, "minute": 40, "second": 31}
